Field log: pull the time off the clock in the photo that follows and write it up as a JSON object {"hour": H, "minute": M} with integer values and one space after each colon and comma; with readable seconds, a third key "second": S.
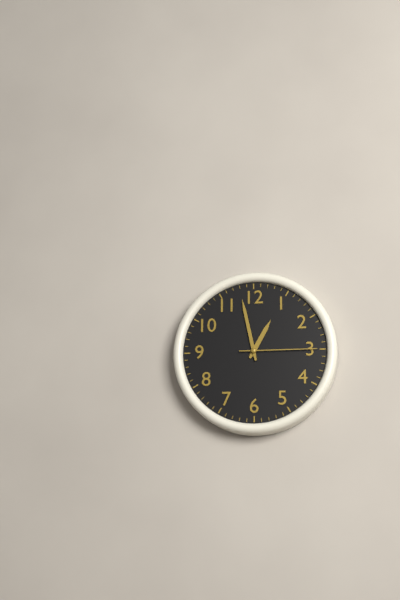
{"hour": 12, "minute": 58, "second": 15}
